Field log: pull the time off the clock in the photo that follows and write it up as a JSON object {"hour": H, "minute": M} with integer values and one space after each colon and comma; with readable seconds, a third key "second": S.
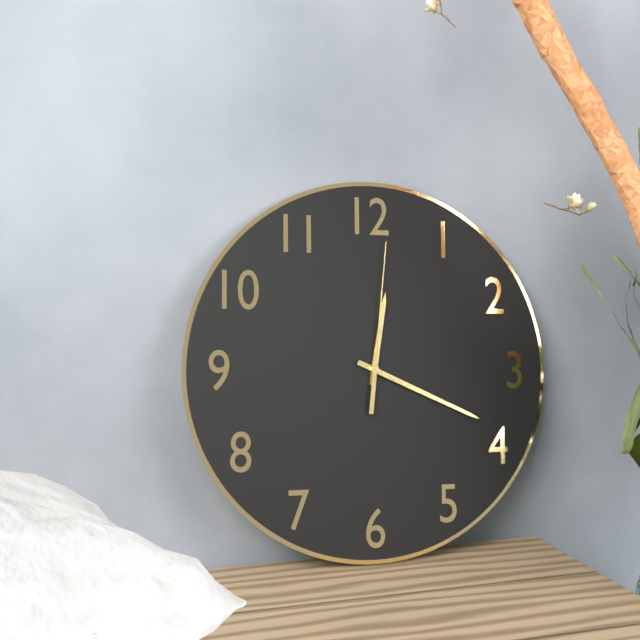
{"hour": 12, "minute": 19, "second": 1}
